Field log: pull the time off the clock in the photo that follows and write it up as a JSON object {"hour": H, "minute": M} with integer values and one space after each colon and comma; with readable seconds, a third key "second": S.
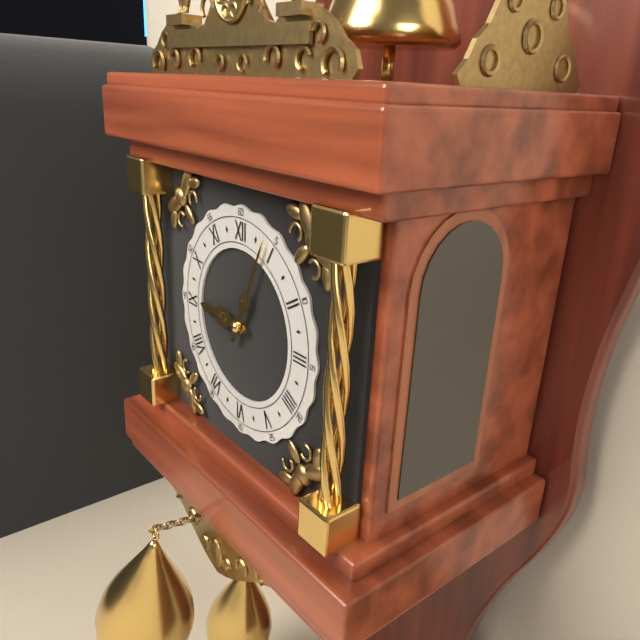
{"hour": 9, "minute": 4}
